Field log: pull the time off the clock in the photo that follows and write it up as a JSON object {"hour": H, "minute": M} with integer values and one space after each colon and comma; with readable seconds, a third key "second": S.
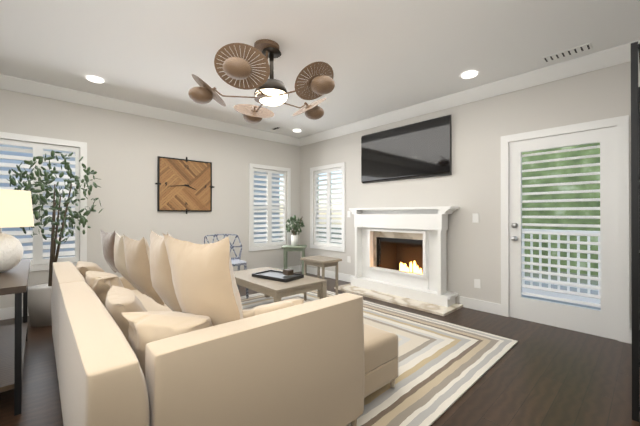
{"hour": 3, "minute": 44}
